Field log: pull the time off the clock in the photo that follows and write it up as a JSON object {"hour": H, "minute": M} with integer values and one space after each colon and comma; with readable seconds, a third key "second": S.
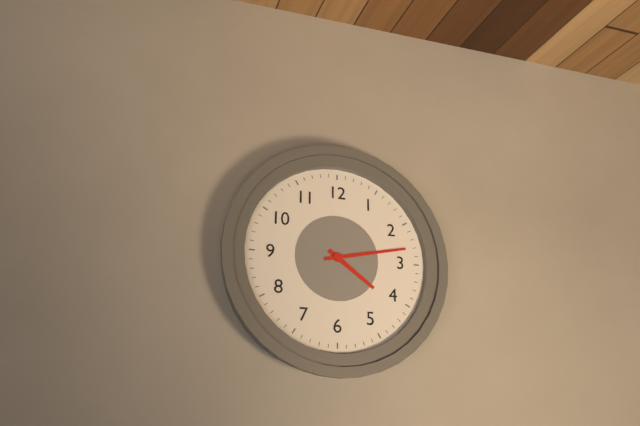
{"hour": 4, "minute": 13}
